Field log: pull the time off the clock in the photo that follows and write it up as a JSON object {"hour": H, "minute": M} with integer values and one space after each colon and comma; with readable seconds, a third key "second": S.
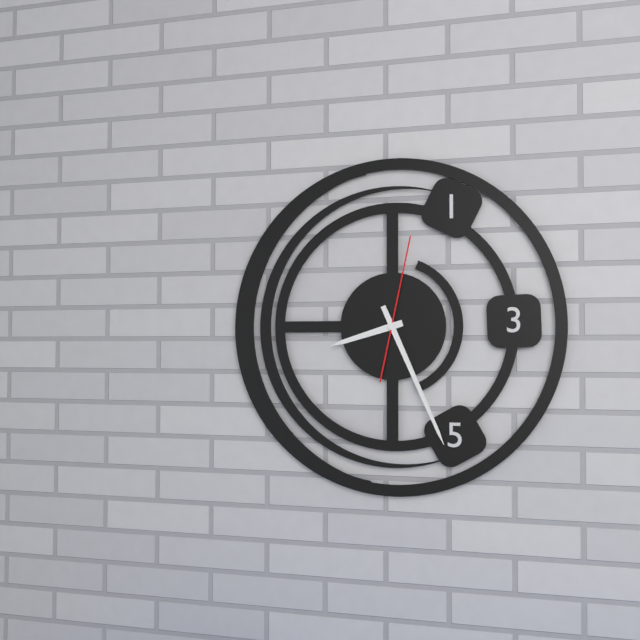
{"hour": 8, "minute": 26, "second": 2}
